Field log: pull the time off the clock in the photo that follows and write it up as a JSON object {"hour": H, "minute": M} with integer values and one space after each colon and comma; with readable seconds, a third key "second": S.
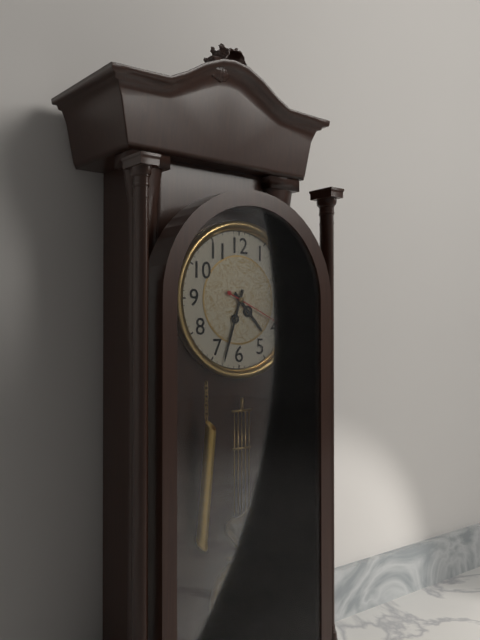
{"hour": 4, "minute": 33, "second": 19}
